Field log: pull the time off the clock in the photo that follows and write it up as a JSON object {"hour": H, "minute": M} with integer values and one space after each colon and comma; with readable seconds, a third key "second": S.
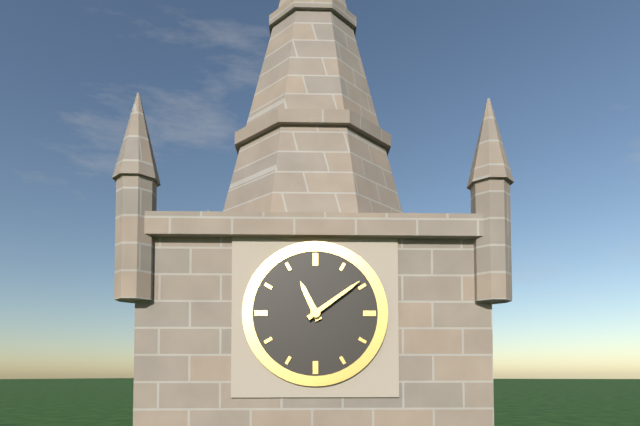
{"hour": 11, "minute": 9}
